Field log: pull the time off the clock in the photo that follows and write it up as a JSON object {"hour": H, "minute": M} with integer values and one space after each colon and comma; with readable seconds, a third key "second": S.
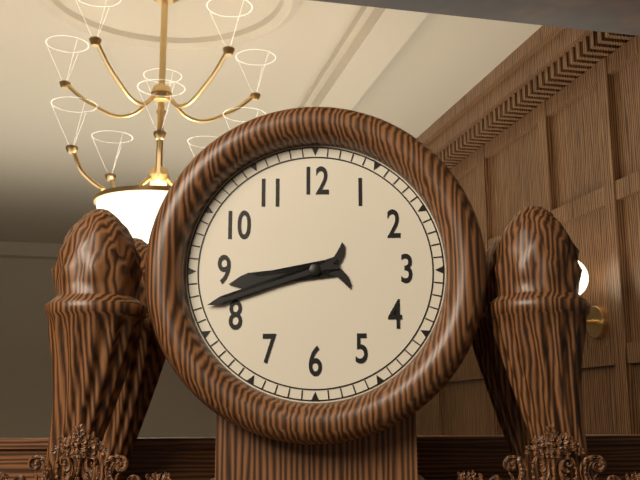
{"hour": 8, "minute": 42}
